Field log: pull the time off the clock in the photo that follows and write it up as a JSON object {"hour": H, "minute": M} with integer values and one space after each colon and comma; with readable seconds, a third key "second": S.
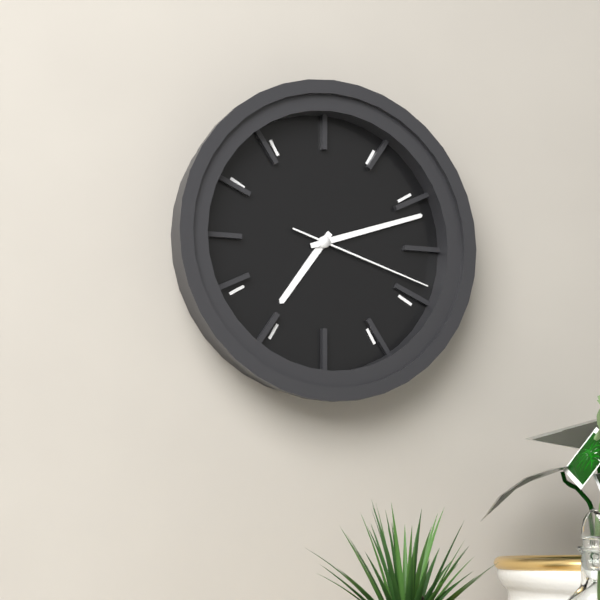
{"hour": 7, "minute": 12, "second": 18}
